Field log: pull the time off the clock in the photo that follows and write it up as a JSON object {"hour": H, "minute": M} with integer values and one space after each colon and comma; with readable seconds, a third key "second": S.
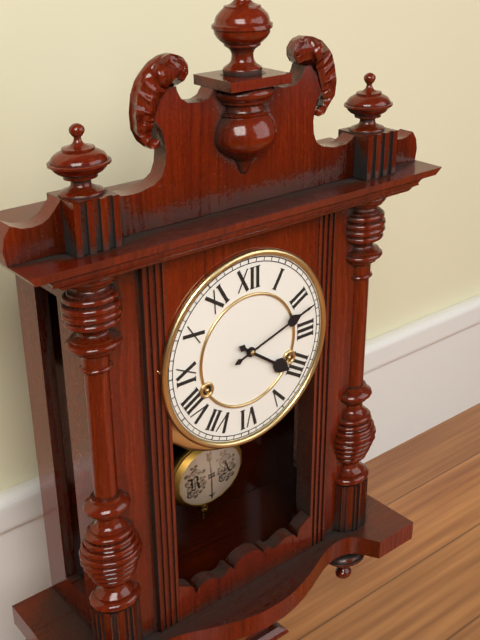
{"hour": 4, "minute": 12}
